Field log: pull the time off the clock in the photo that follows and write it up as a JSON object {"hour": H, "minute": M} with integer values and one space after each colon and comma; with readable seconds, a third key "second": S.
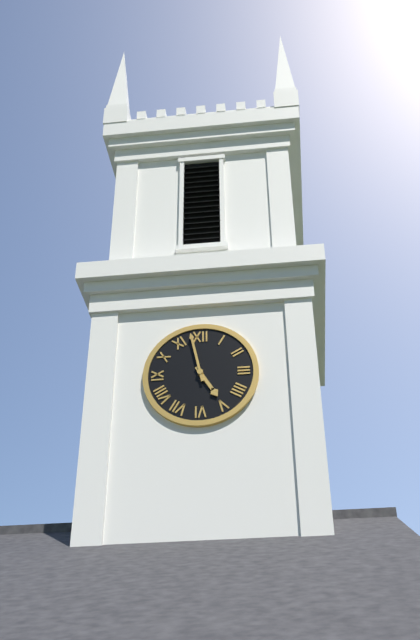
{"hour": 4, "minute": 58}
